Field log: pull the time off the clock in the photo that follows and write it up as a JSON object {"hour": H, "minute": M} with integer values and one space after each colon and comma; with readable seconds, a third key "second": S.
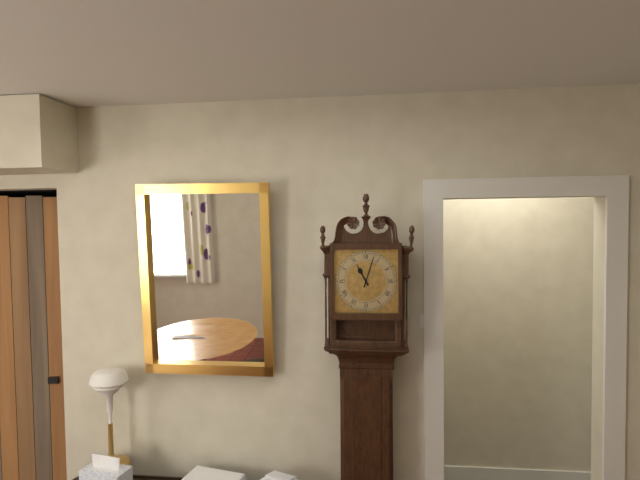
{"hour": 11, "minute": 3}
